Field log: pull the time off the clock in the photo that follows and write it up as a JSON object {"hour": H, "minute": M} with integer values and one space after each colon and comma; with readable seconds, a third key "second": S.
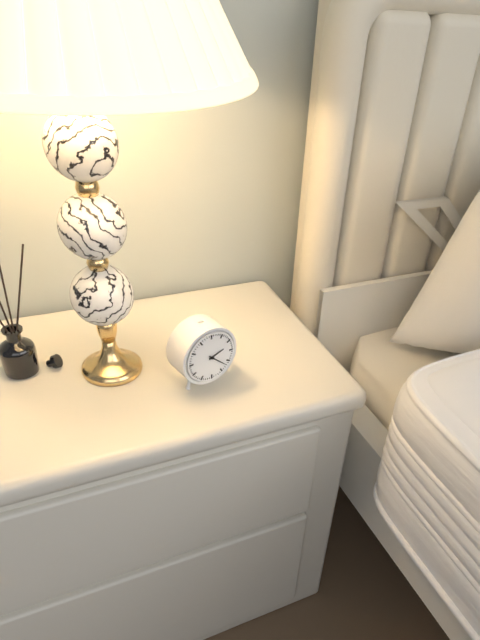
{"hour": 2, "minute": 22}
